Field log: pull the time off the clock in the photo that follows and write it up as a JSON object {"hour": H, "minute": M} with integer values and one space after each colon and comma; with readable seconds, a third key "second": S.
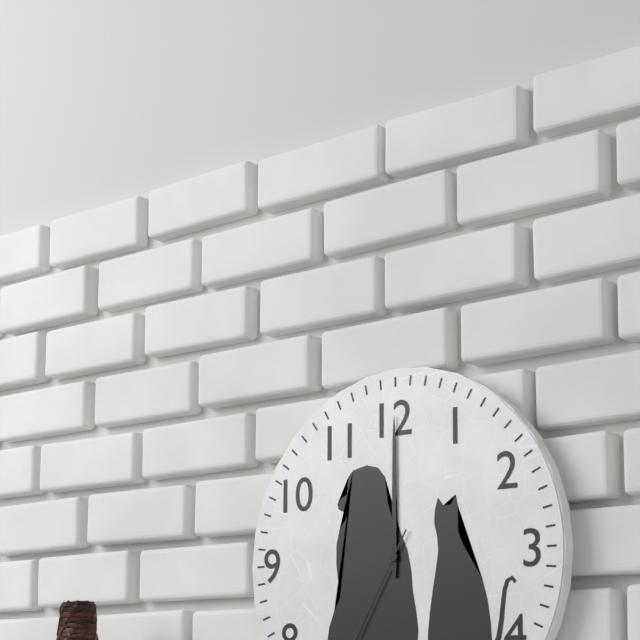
{"hour": 12, "minute": 0}
